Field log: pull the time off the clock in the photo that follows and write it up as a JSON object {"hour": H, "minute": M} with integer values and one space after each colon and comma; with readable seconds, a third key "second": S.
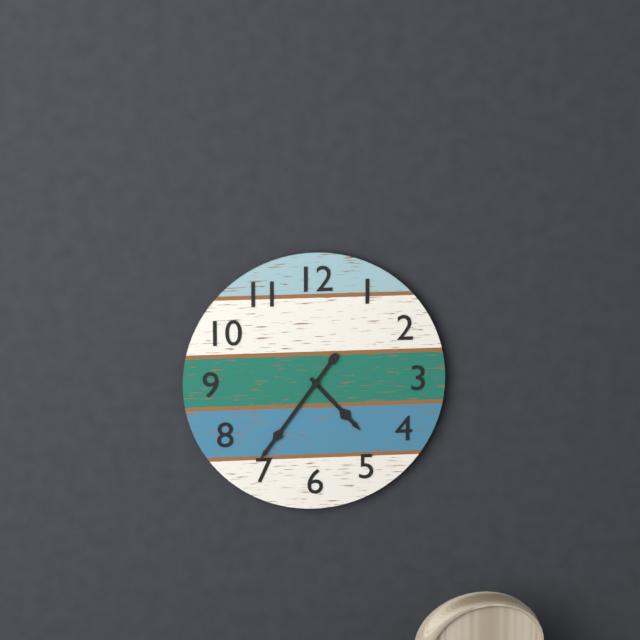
{"hour": 4, "minute": 36}
